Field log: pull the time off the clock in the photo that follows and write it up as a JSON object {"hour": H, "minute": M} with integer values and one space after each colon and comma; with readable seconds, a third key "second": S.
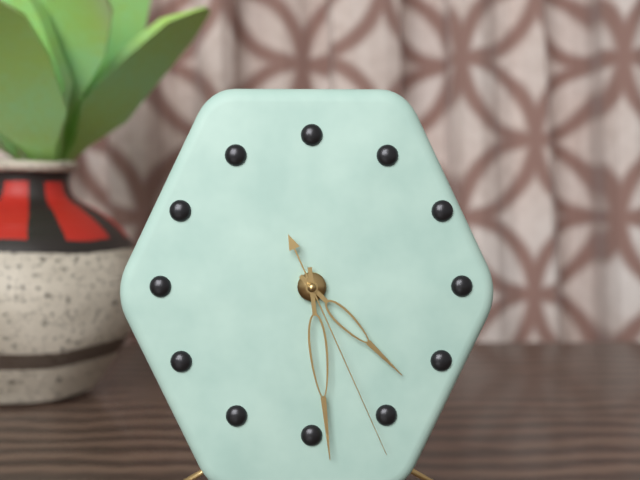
{"hour": 4, "minute": 29, "second": 26}
